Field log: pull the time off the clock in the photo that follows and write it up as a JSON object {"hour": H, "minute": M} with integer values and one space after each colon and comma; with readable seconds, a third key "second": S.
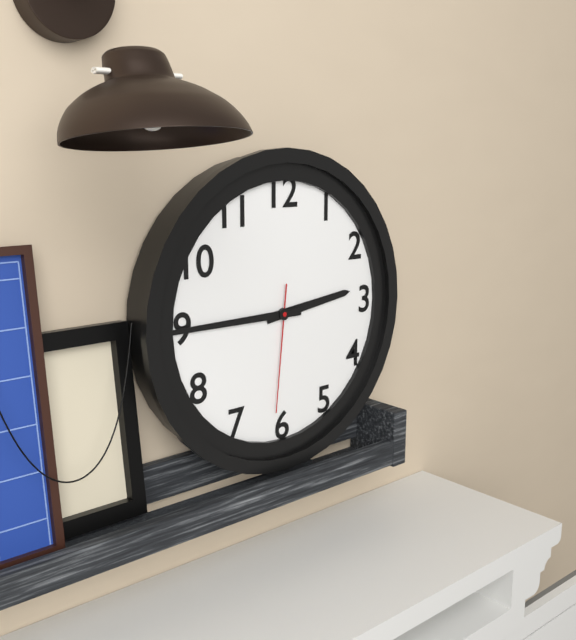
{"hour": 2, "minute": 45, "second": 31}
